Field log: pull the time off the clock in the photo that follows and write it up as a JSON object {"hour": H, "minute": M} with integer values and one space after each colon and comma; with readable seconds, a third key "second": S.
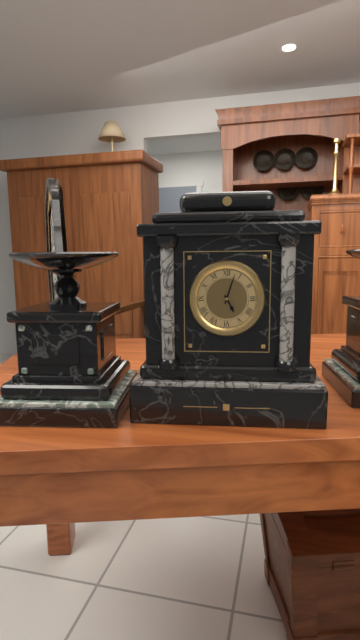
{"hour": 5, "minute": 3}
